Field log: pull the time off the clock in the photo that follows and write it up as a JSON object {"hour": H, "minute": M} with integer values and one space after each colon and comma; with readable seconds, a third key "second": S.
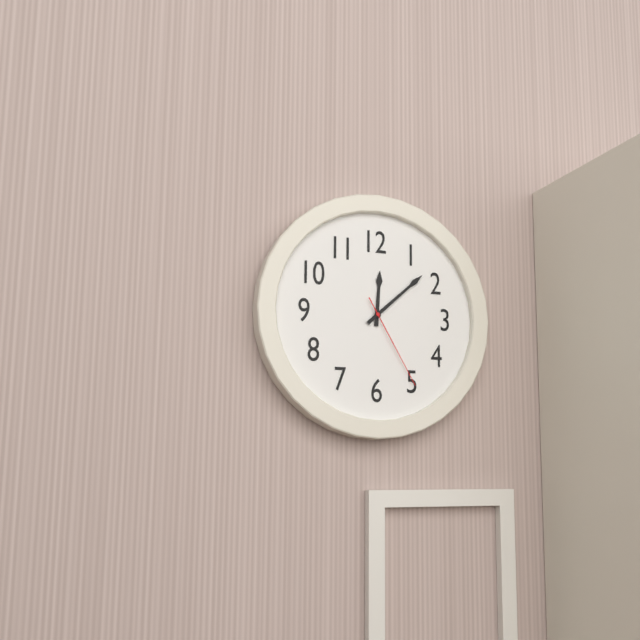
{"hour": 12, "minute": 8, "second": 25}
